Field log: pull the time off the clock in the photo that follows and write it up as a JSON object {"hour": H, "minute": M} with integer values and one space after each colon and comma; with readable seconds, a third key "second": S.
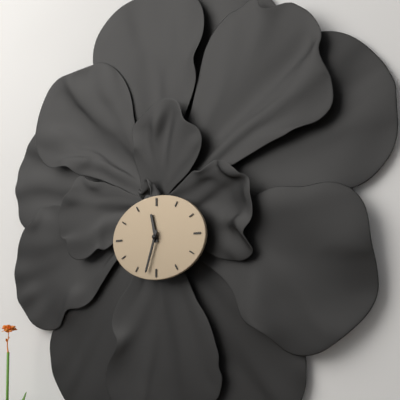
{"hour": 11, "minute": 33}
